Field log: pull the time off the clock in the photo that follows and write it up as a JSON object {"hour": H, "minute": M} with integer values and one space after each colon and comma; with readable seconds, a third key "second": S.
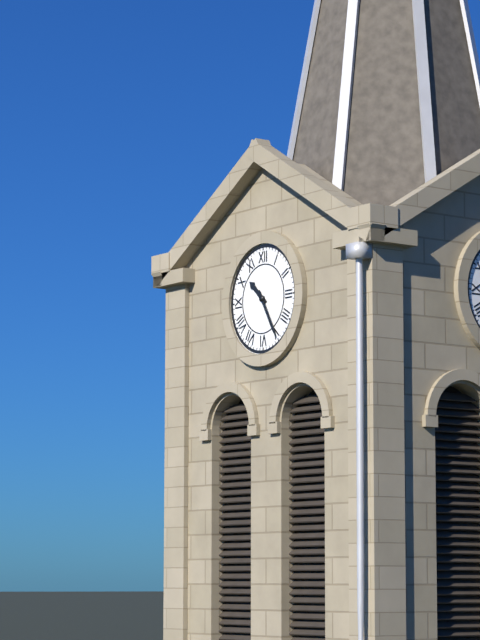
{"hour": 10, "minute": 25}
